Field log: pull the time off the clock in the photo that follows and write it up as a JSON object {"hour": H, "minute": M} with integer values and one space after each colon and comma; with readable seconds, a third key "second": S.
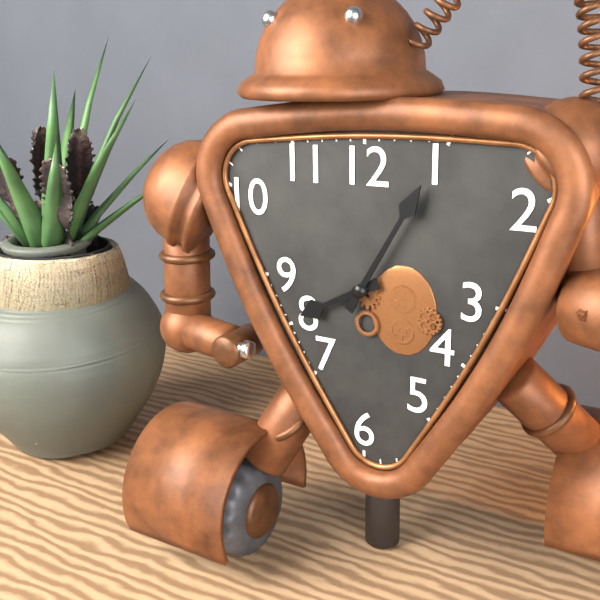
{"hour": 8, "minute": 5}
